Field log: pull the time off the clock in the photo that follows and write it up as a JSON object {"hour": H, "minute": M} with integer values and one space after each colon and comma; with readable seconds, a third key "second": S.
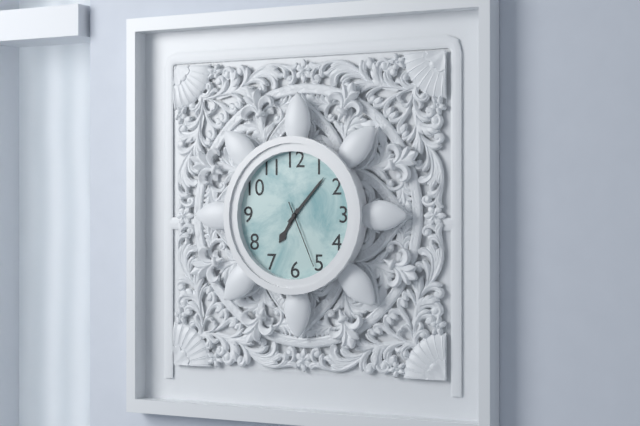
{"hour": 7, "minute": 7, "second": 26}
